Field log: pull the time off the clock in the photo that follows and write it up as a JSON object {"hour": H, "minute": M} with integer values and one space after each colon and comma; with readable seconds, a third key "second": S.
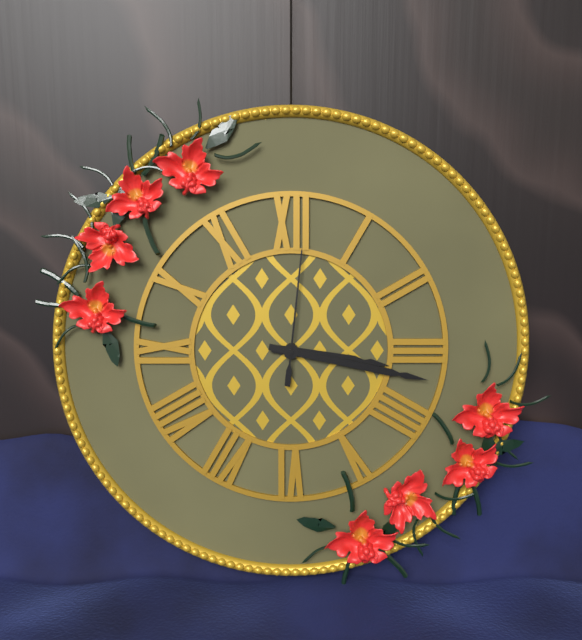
{"hour": 3, "minute": 17, "second": 1}
